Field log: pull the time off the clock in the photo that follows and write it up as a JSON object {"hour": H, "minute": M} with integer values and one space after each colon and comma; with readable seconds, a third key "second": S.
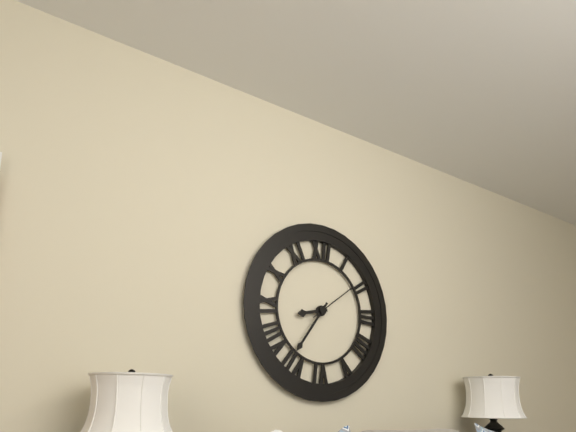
{"hour": 8, "minute": 36, "second": 9}
